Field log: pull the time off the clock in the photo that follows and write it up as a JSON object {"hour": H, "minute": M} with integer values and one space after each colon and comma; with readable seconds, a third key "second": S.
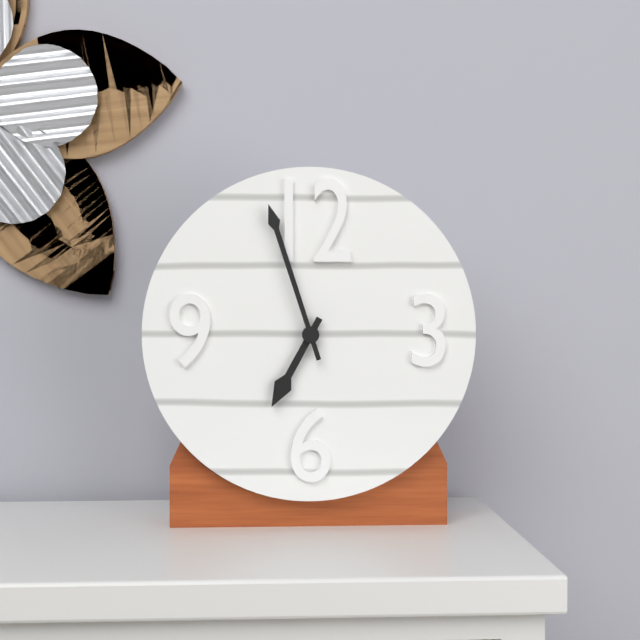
{"hour": 6, "minute": 57}
